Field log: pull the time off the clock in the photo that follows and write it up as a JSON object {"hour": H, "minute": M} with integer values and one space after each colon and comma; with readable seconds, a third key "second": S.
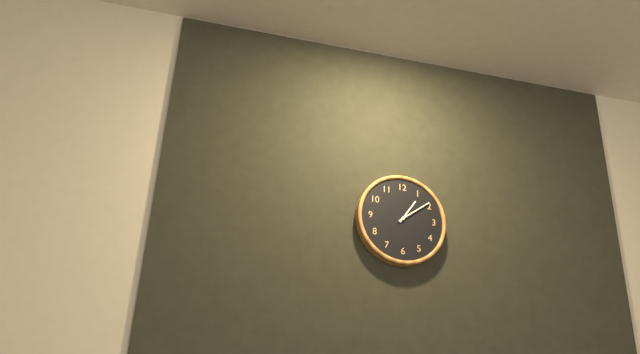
{"hour": 1, "minute": 9}
